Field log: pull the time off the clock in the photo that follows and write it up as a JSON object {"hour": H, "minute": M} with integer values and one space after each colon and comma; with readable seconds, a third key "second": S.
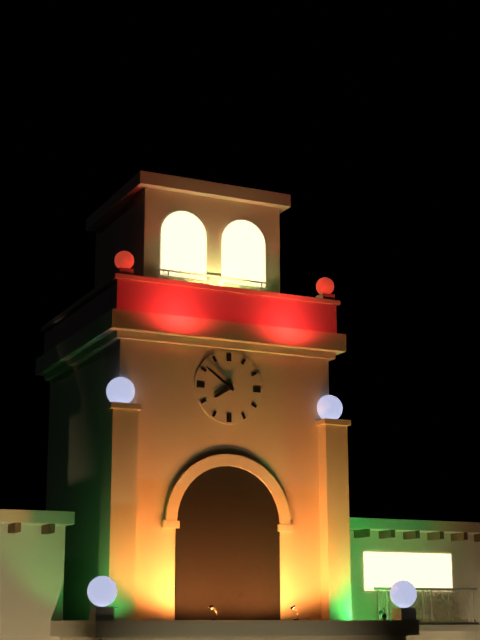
{"hour": 7, "minute": 51}
